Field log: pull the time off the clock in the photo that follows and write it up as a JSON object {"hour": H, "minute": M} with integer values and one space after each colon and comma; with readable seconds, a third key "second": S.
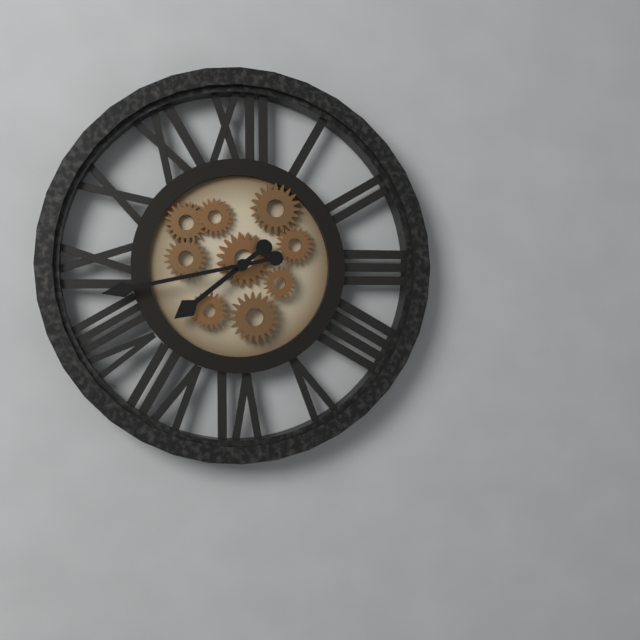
{"hour": 7, "minute": 43}
